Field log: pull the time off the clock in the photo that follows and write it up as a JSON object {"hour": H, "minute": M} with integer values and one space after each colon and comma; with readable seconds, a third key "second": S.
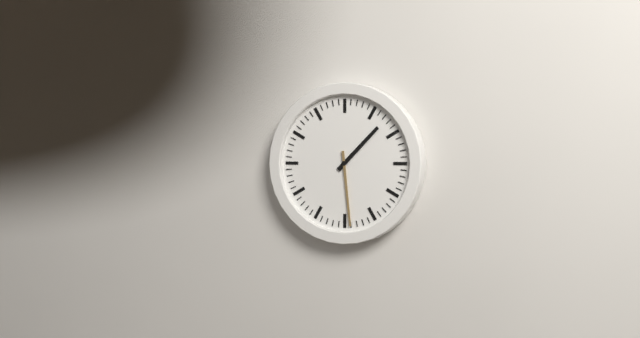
{"hour": 1, "minute": 29}
